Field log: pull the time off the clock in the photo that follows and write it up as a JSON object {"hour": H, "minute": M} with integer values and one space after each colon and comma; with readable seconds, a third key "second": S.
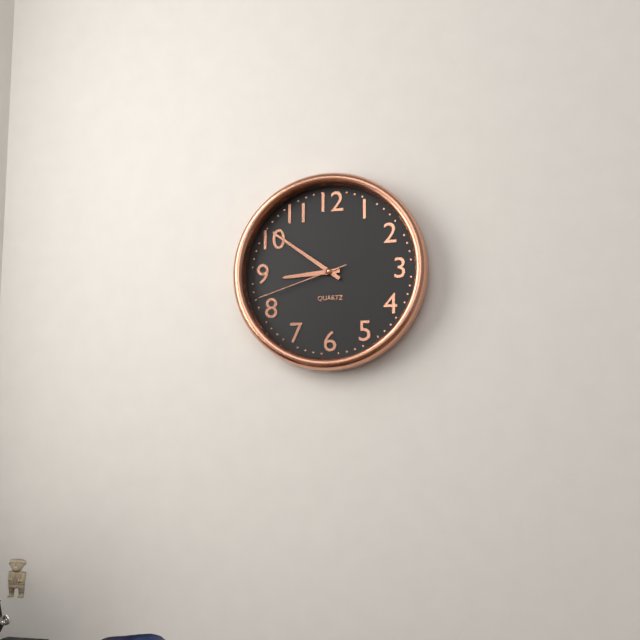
{"hour": 8, "minute": 51, "second": 42}
